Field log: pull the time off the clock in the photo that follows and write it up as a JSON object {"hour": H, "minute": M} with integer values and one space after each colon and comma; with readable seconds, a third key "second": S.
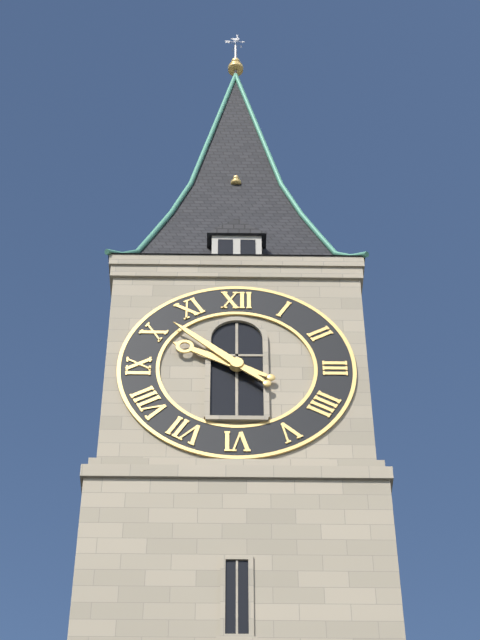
{"hour": 9, "minute": 52}
